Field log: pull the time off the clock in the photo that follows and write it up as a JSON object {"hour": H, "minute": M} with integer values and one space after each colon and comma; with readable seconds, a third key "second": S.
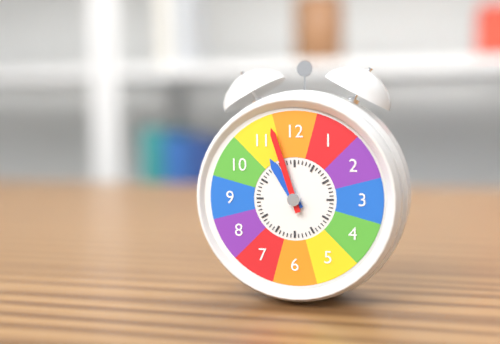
{"hour": 10, "minute": 57}
